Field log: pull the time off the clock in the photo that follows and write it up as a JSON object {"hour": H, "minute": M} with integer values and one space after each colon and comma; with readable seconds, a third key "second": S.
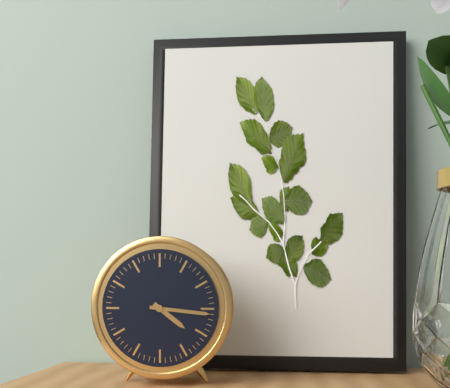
{"hour": 4, "minute": 16}
